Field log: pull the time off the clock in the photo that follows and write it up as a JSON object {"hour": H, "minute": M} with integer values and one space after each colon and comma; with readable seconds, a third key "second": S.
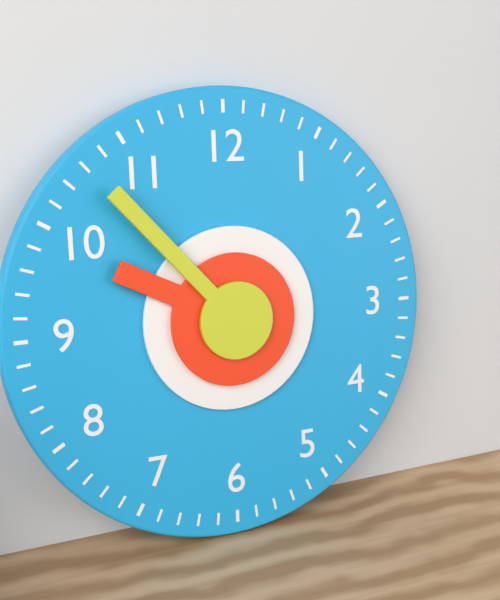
{"hour": 9, "minute": 53}
